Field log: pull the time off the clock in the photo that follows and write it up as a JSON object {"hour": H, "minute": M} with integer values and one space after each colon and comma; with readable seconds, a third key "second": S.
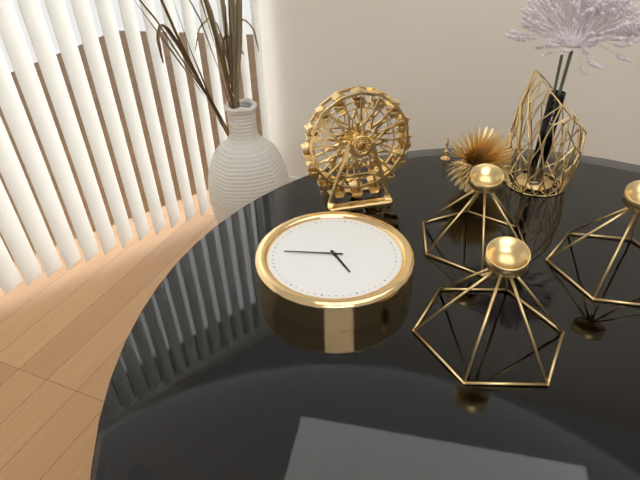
{"hour": 4, "minute": 44}
